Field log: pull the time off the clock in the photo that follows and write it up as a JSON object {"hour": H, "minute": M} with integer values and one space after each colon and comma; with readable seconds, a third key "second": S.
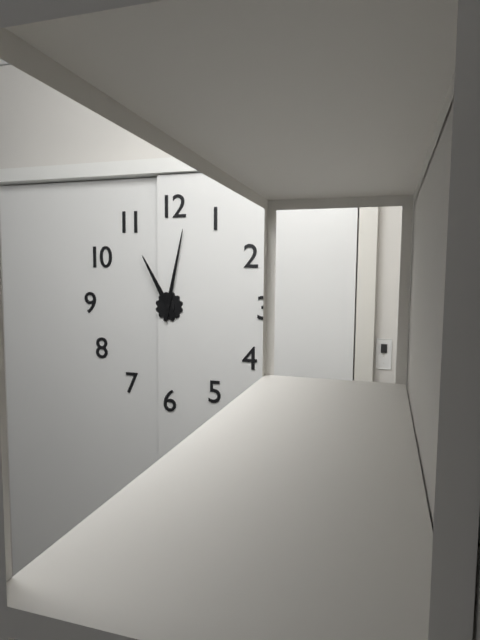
{"hour": 11, "minute": 2}
